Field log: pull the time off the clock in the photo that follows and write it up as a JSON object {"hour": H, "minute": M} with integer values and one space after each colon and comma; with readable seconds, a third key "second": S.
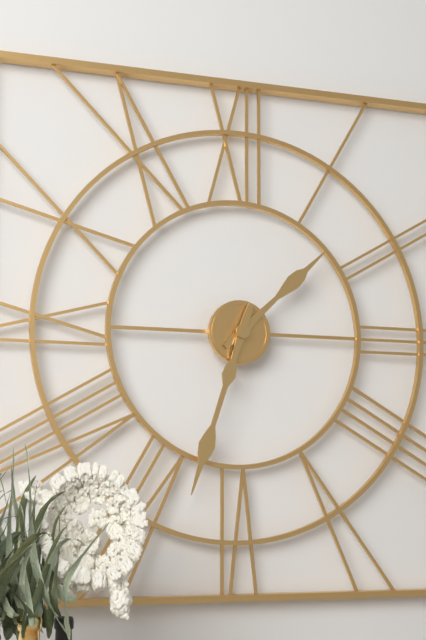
{"hour": 1, "minute": 33}
